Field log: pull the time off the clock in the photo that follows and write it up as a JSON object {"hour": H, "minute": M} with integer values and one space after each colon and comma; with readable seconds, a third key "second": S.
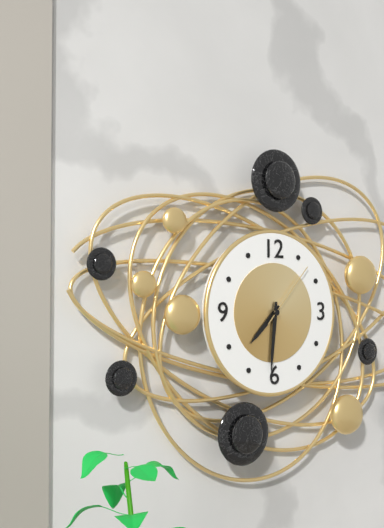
{"hour": 7, "minute": 31, "second": 7}
